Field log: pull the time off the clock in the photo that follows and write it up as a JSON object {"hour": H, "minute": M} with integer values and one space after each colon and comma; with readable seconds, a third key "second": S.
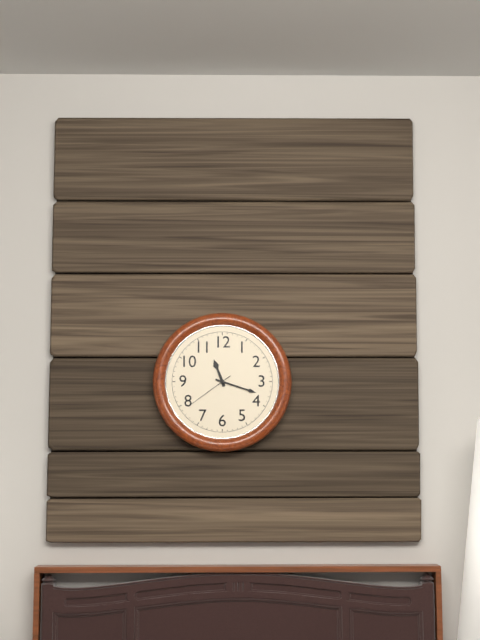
{"hour": 11, "minute": 18}
